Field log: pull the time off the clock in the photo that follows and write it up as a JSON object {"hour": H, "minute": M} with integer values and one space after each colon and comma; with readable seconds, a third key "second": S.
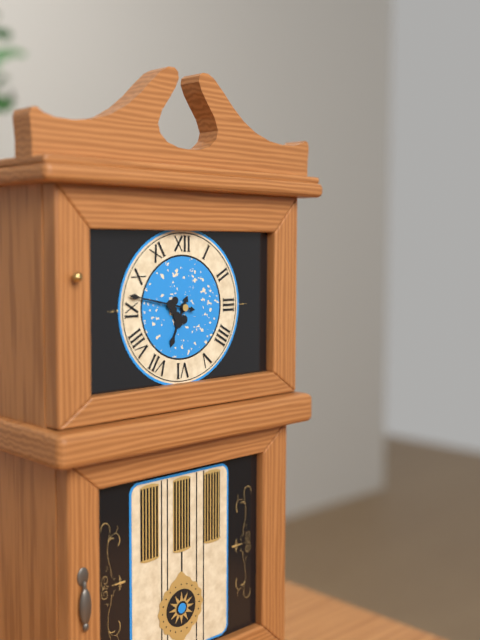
{"hour": 6, "minute": 47}
